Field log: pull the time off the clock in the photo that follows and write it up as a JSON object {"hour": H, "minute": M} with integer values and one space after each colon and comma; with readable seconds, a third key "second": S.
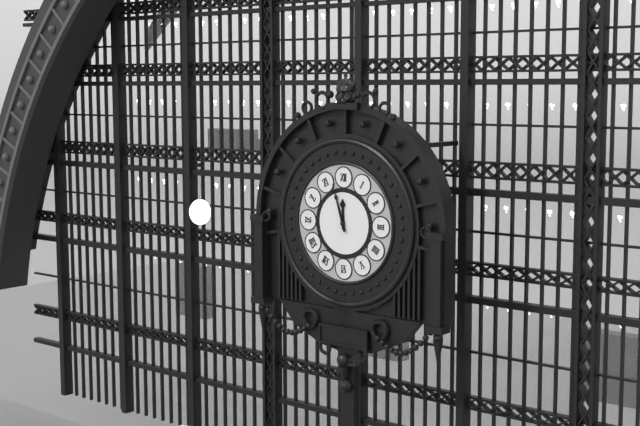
{"hour": 11, "minute": 57}
